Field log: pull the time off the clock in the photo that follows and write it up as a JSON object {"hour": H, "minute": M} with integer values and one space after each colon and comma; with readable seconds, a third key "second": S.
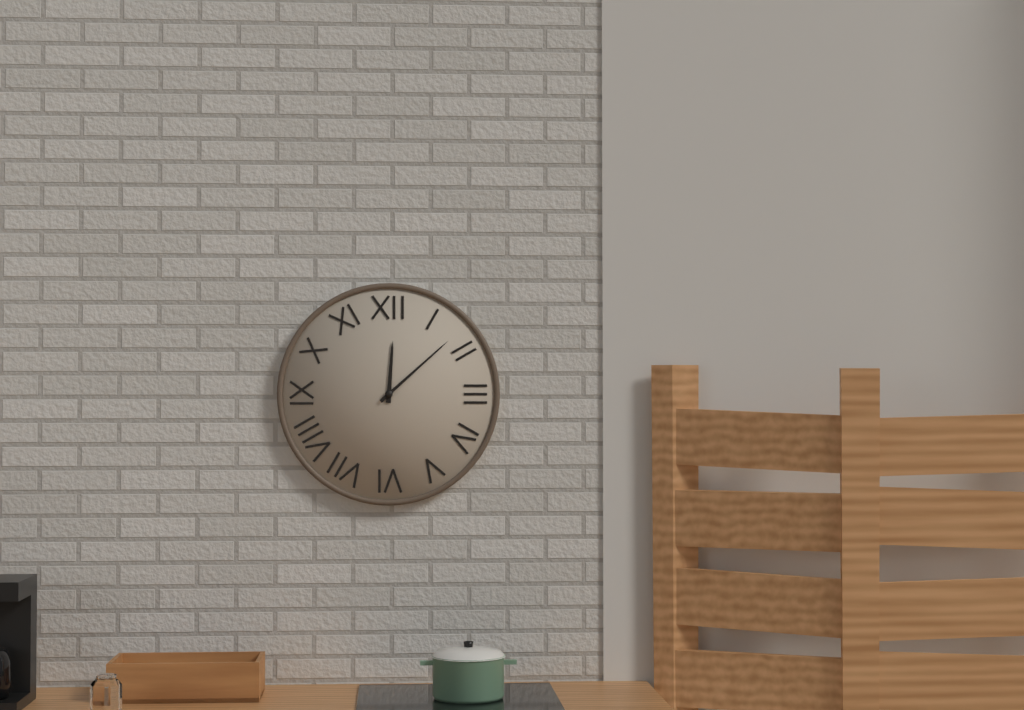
{"hour": 12, "minute": 8}
